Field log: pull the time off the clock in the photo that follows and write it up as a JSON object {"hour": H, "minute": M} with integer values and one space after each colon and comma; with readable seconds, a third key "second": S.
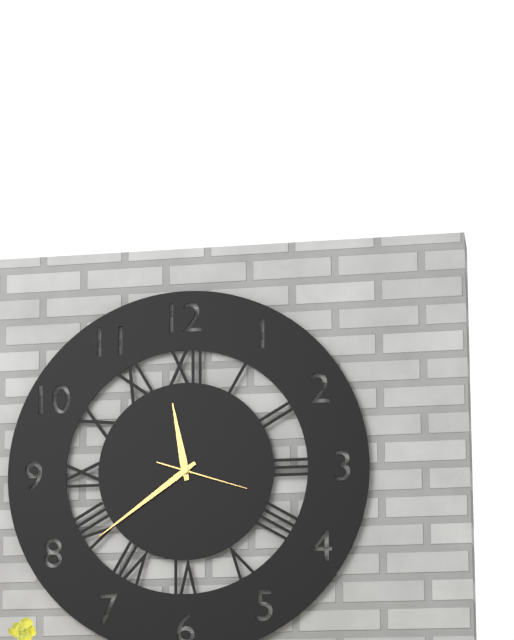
{"hour": 11, "minute": 39, "second": 18}
